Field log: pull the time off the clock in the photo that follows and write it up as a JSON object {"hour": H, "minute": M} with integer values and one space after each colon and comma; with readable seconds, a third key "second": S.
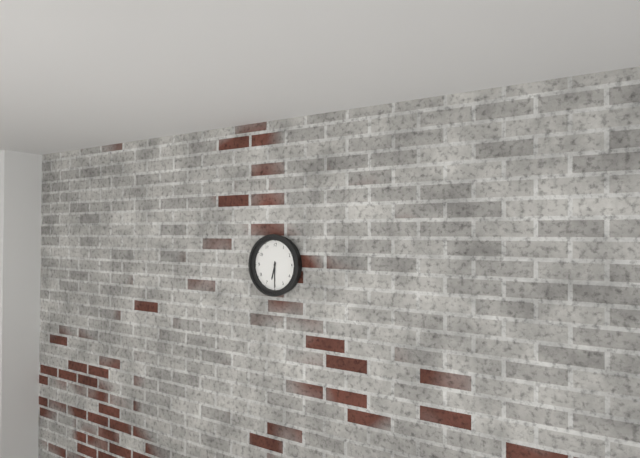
{"hour": 6, "minute": 30}
